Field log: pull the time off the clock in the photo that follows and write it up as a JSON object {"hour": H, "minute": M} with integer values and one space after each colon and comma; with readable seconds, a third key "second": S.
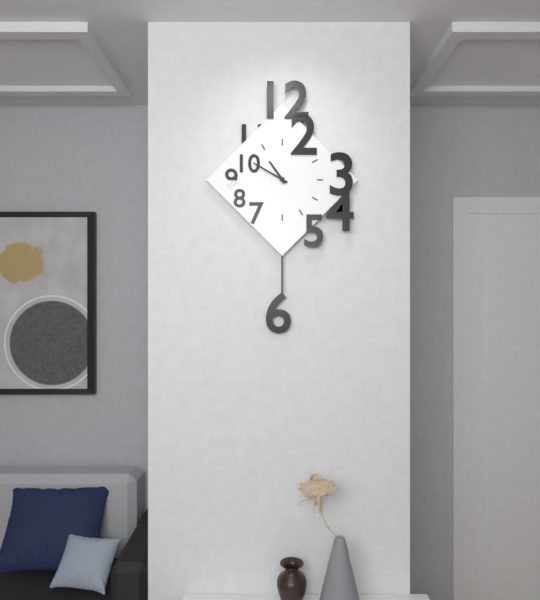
{"hour": 10, "minute": 50}
